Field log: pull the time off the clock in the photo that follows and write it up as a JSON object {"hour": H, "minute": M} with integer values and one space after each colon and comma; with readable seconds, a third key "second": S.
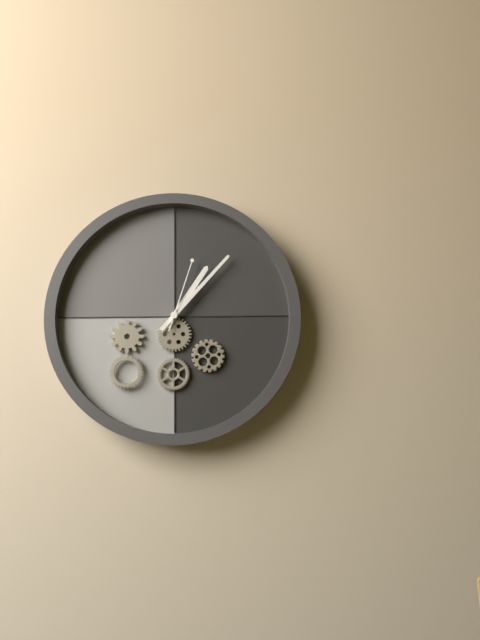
{"hour": 1, "minute": 7, "second": 3}
